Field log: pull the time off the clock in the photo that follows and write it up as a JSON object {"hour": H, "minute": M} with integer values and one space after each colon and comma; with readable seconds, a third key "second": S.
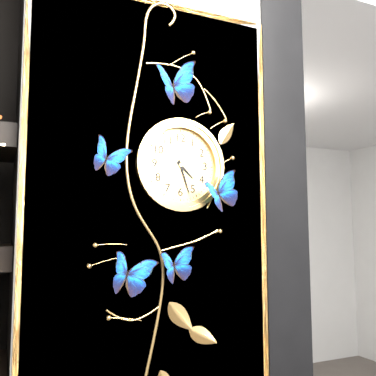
{"hour": 4, "minute": 27}
